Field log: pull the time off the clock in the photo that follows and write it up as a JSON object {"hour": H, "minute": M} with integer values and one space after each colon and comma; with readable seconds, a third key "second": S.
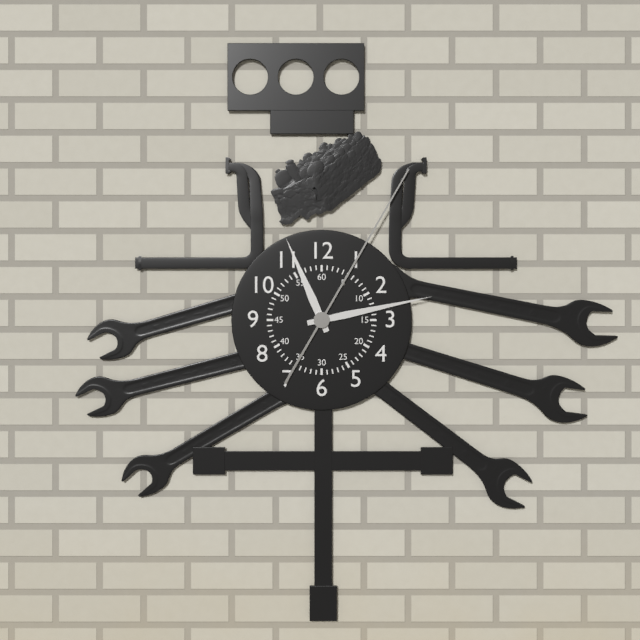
{"hour": 11, "minute": 13, "second": 5}
